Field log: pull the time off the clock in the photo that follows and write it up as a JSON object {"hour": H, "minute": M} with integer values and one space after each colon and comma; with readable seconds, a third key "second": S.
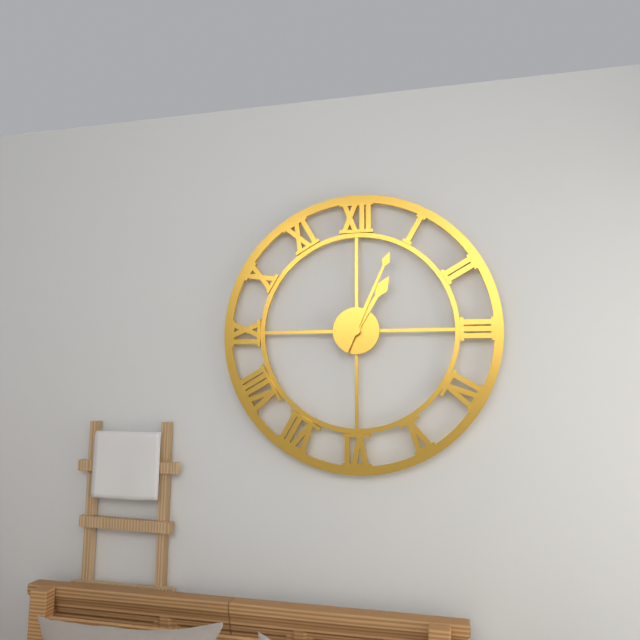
{"hour": 1, "minute": 4}
